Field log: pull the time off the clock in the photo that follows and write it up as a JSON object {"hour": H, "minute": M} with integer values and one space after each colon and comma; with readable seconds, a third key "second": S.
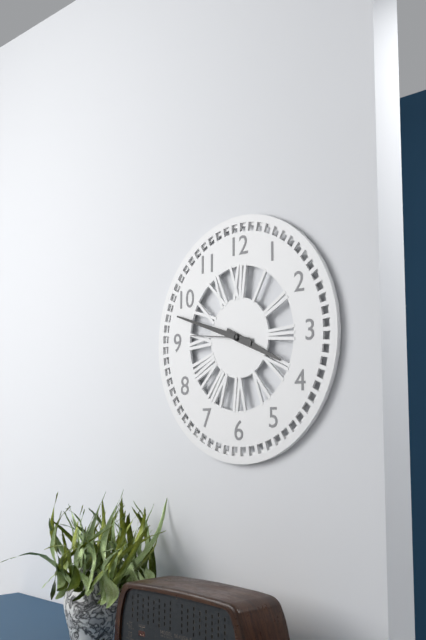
{"hour": 3, "minute": 48, "second": 46}
